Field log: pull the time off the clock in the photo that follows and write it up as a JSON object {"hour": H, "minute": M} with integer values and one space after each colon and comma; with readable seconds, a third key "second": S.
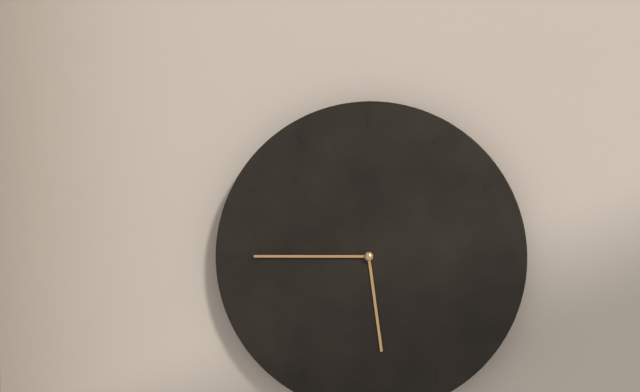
{"hour": 5, "minute": 45}
